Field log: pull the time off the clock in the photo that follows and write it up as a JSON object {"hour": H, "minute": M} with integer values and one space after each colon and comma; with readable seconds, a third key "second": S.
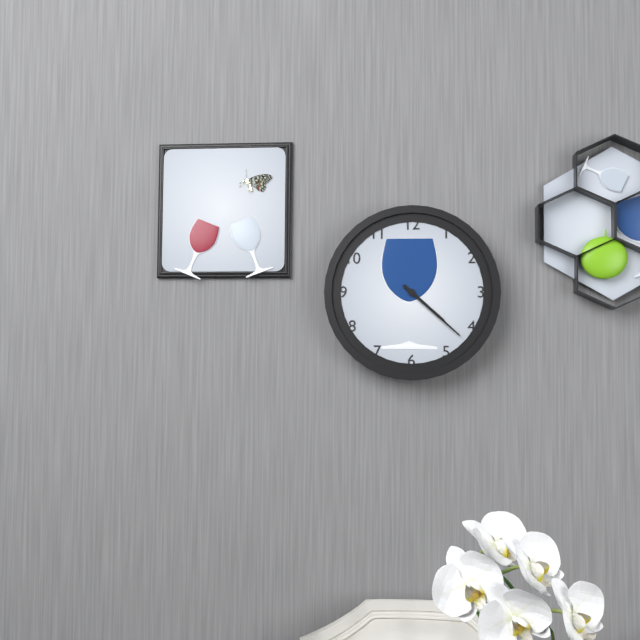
{"hour": 4, "minute": 22}
